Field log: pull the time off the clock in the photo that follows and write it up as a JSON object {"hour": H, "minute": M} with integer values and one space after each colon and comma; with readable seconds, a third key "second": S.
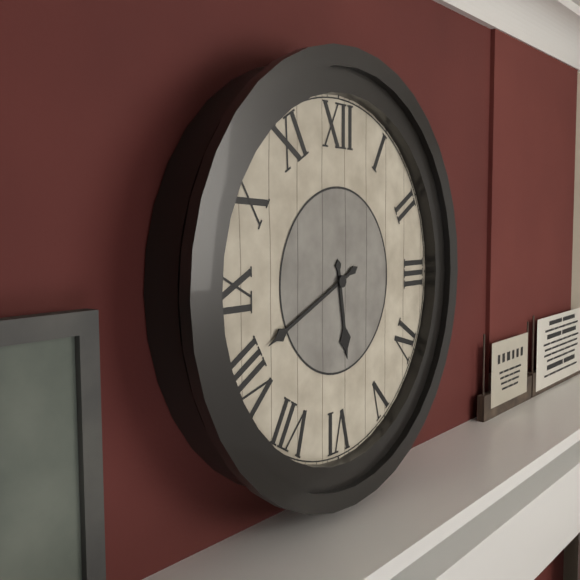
{"hour": 5, "minute": 41}
